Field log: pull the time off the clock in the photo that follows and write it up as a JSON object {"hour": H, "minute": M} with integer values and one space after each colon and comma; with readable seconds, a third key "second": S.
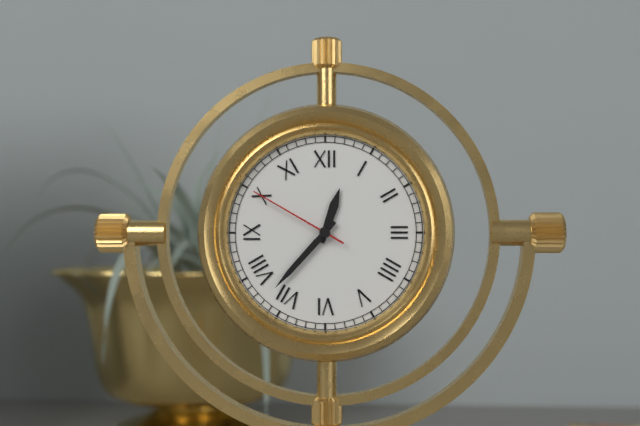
{"hour": 12, "minute": 37, "second": 50}
